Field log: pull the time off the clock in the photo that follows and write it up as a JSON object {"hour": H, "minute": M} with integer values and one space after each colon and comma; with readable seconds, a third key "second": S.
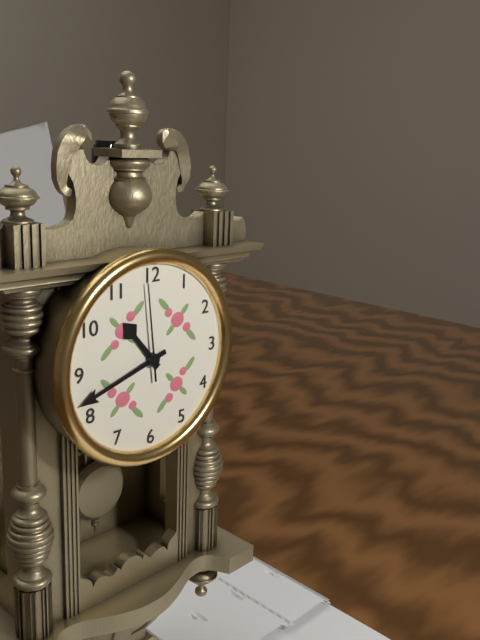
{"hour": 10, "minute": 42, "second": 59}
